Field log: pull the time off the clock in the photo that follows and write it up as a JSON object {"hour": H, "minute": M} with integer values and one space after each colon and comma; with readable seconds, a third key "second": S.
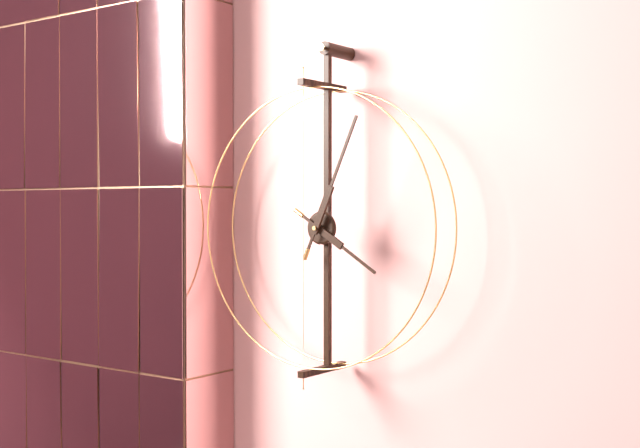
{"hour": 4, "minute": 4}
